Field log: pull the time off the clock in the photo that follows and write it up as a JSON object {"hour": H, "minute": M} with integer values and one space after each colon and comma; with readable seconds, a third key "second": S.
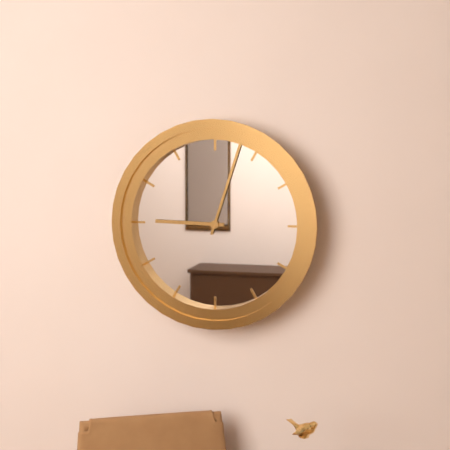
{"hour": 9, "minute": 3}
